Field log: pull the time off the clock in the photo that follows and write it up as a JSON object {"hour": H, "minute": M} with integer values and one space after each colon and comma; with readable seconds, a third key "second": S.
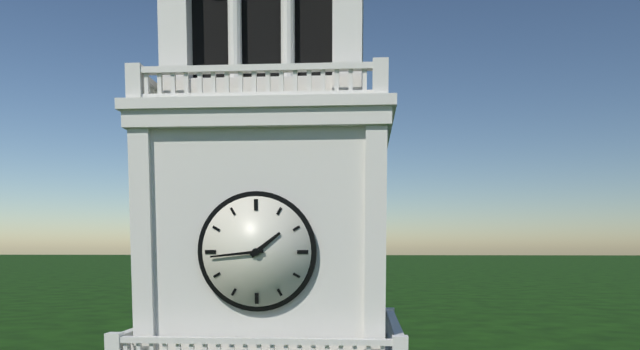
{"hour": 1, "minute": 44}
